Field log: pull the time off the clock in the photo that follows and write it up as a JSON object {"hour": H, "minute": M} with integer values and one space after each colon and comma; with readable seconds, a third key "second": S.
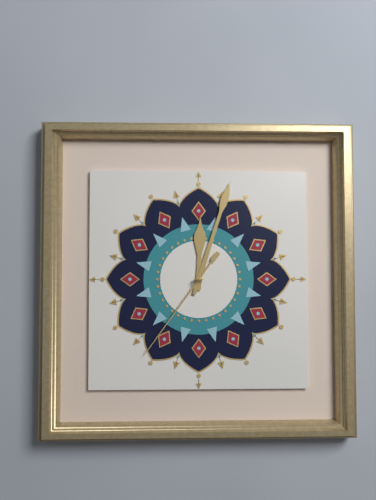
{"hour": 12, "minute": 3, "second": 36}
